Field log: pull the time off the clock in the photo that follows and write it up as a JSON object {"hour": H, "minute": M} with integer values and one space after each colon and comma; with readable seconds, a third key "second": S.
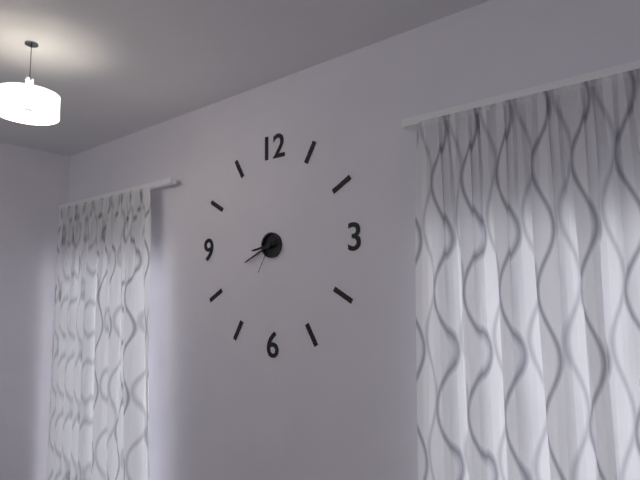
{"hour": 8, "minute": 41}
